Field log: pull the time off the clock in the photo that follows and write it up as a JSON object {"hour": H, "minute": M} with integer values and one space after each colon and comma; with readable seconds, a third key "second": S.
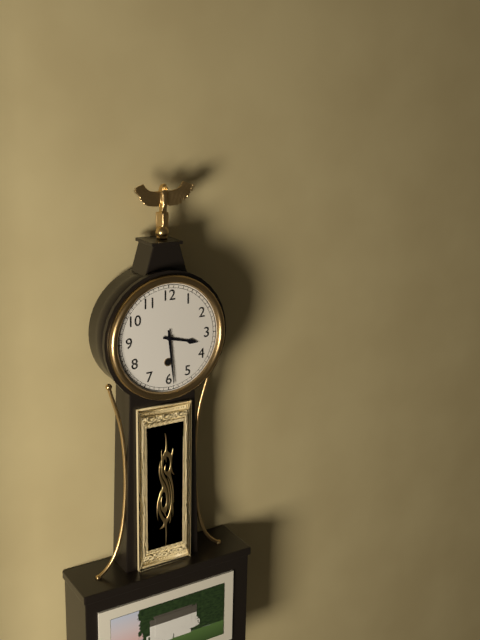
{"hour": 3, "minute": 29}
